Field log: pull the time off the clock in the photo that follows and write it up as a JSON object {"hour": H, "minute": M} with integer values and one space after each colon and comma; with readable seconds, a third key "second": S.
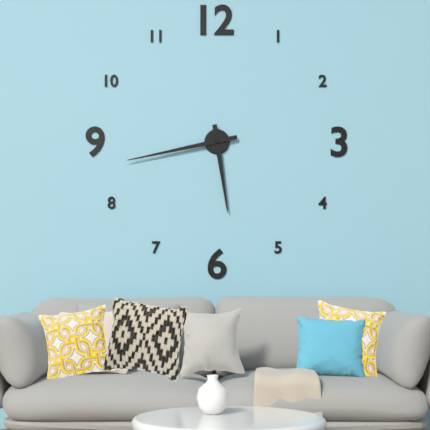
{"hour": 5, "minute": 43}
